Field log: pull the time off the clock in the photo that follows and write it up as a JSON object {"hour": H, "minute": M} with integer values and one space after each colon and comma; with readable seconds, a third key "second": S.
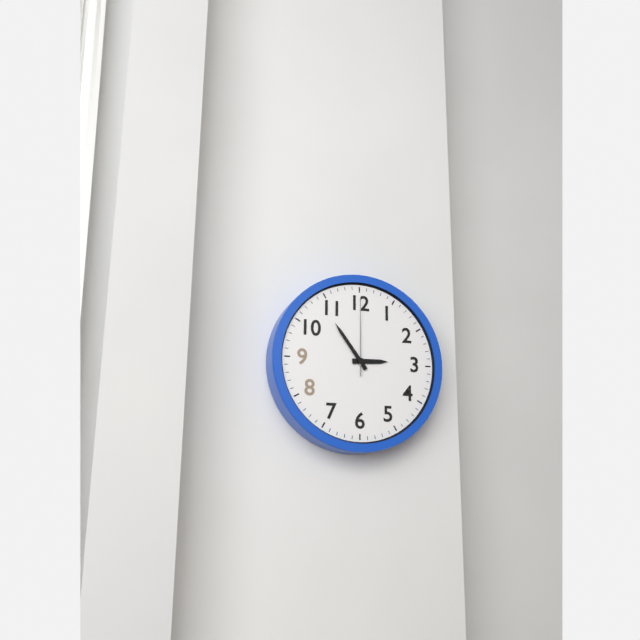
{"hour": 2, "minute": 54, "second": 0}
